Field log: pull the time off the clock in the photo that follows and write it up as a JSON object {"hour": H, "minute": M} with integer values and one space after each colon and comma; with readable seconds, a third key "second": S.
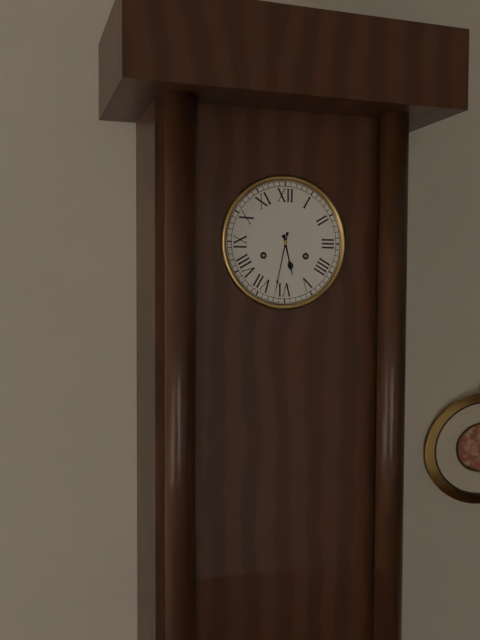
{"hour": 5, "minute": 32}
